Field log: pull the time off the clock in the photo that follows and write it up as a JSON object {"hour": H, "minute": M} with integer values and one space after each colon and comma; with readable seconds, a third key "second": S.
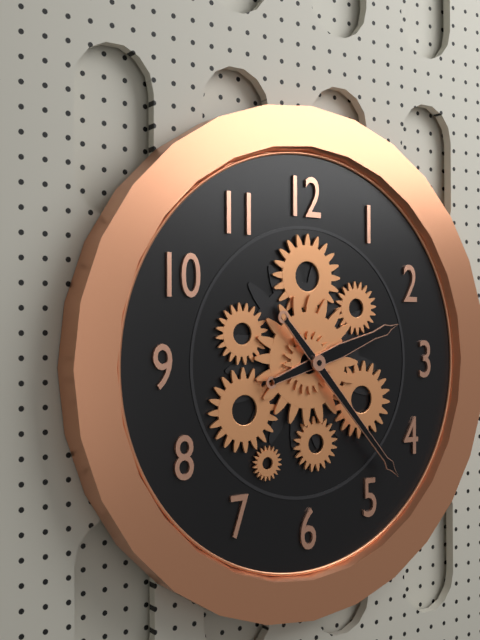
{"hour": 2, "minute": 23}
